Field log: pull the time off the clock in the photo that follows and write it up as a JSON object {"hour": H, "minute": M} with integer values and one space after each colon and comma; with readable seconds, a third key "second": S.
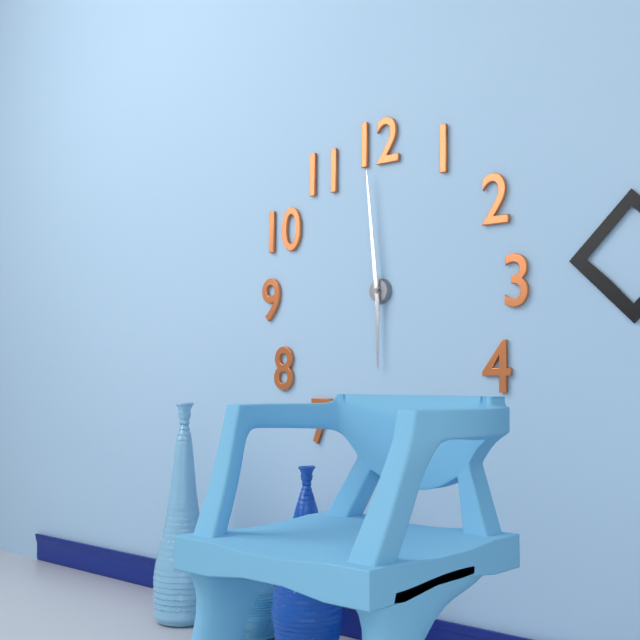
{"hour": 5, "minute": 59}
